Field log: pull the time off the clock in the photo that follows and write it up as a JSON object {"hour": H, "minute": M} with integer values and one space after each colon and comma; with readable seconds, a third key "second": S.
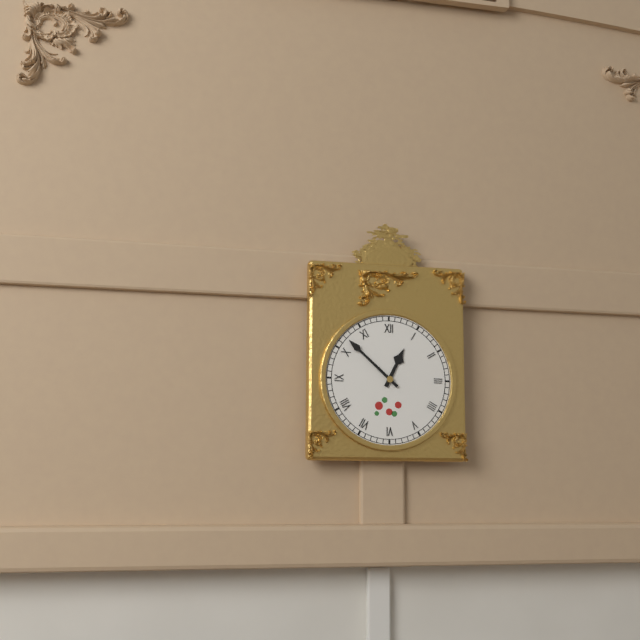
{"hour": 12, "minute": 52}
